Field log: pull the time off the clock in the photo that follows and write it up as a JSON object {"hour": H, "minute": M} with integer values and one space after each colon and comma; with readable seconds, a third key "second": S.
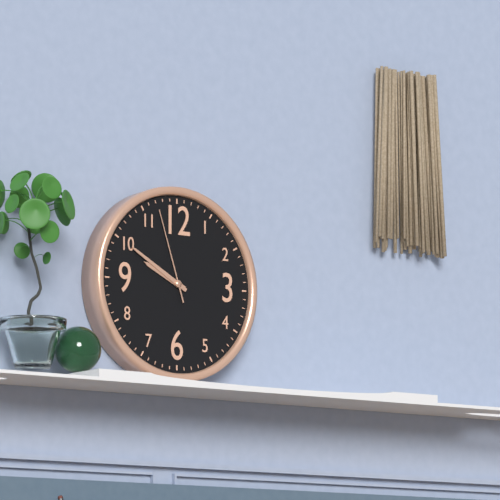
{"hour": 9, "minute": 50, "second": 57}
